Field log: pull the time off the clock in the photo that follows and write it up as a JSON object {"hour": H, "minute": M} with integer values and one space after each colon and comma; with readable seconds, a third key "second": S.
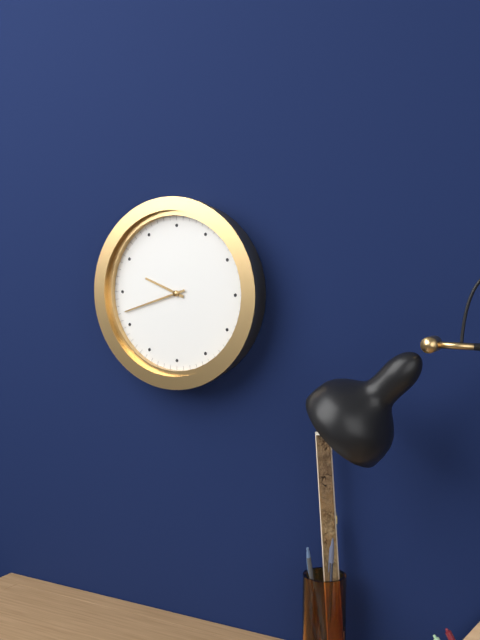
{"hour": 9, "minute": 42}
